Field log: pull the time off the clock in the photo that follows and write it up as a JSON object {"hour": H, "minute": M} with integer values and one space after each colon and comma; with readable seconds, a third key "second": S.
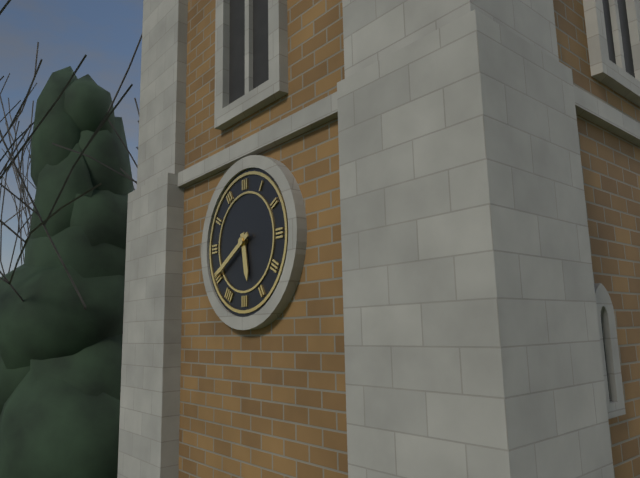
{"hour": 5, "minute": 40}
